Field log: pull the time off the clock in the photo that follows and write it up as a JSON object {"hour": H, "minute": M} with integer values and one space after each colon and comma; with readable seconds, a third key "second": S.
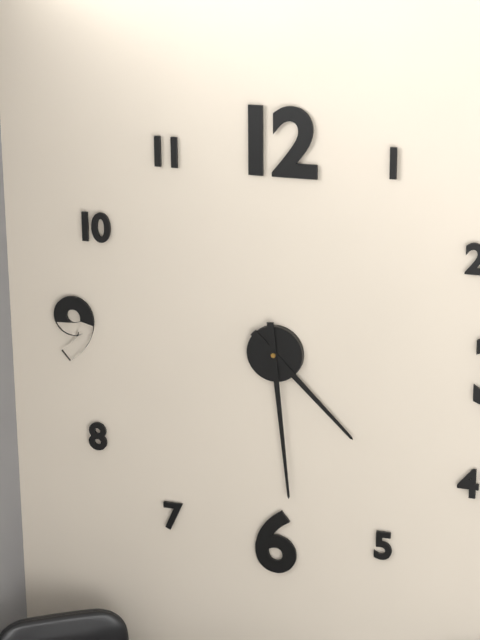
{"hour": 4, "minute": 29}
